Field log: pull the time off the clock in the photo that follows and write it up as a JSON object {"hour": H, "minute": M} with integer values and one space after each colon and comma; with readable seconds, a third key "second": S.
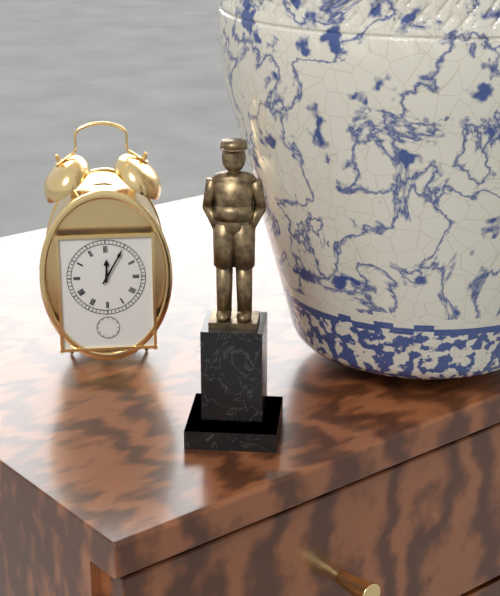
{"hour": 12, "minute": 5}
